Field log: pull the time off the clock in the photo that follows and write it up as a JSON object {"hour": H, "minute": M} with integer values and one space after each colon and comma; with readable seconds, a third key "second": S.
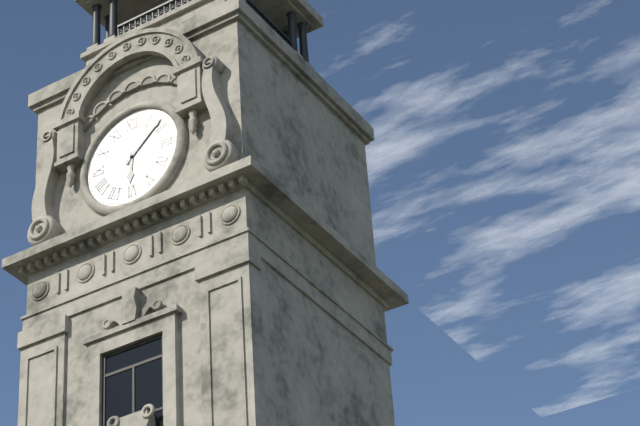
{"hour": 6, "minute": 8}
